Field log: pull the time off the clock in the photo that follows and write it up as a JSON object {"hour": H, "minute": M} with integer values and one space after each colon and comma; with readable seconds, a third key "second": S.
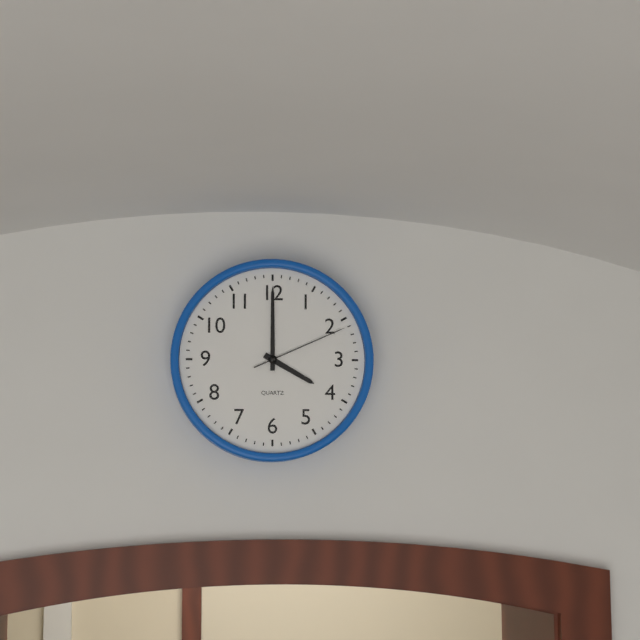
{"hour": 4, "minute": 0, "second": 11}
